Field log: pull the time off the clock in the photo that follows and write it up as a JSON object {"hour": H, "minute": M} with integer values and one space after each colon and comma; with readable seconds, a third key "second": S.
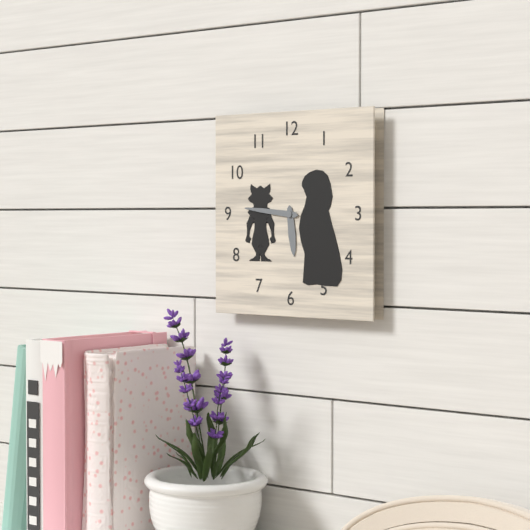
{"hour": 5, "minute": 46}
